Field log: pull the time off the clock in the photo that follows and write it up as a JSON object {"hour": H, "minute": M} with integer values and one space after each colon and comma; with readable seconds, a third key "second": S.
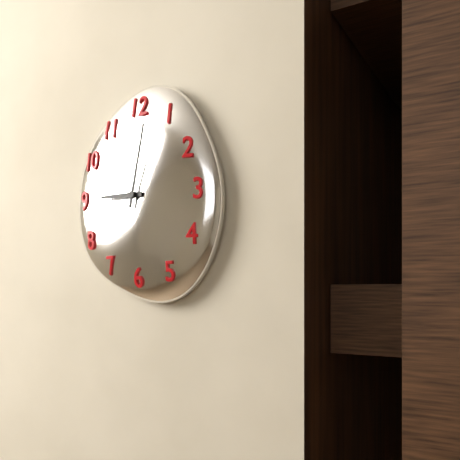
{"hour": 9, "minute": 2}
